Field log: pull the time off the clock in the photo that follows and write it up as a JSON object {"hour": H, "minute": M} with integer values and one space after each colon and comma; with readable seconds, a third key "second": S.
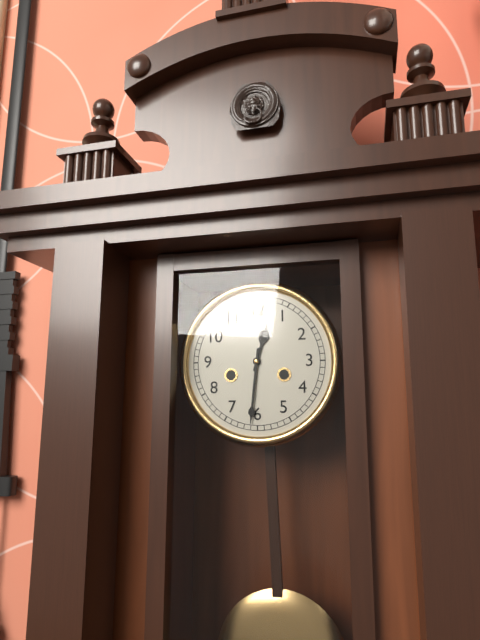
{"hour": 12, "minute": 31}
